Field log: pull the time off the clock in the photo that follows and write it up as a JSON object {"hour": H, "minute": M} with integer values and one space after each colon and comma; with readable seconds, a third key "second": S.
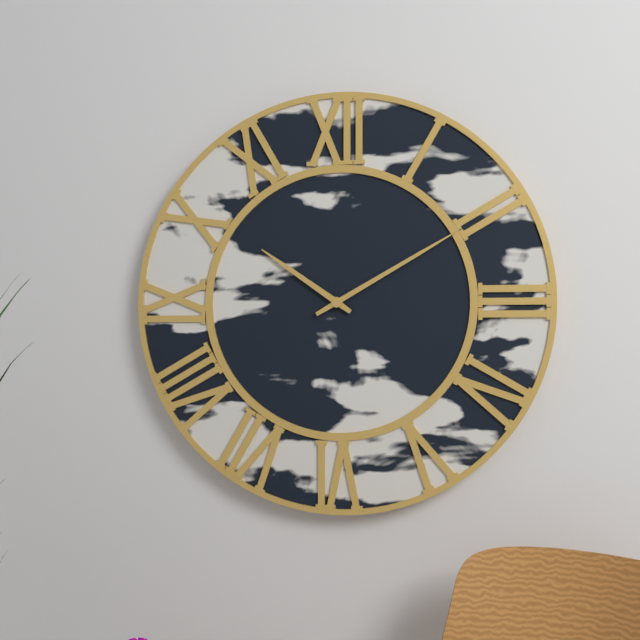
{"hour": 10, "minute": 10}
